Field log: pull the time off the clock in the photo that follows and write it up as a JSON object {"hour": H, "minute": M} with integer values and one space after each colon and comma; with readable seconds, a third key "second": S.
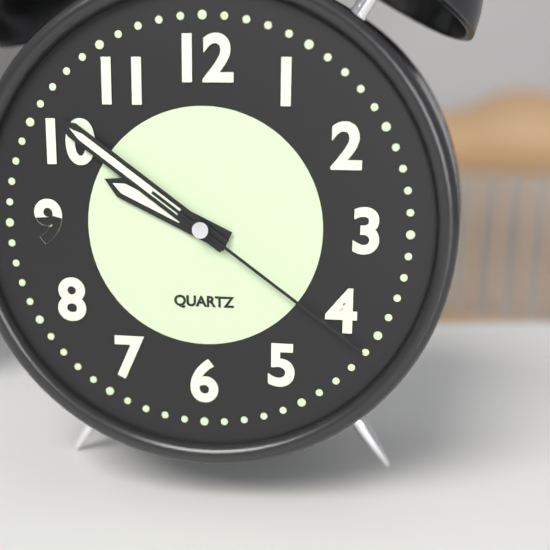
{"hour": 9, "minute": 51, "second": 21}
